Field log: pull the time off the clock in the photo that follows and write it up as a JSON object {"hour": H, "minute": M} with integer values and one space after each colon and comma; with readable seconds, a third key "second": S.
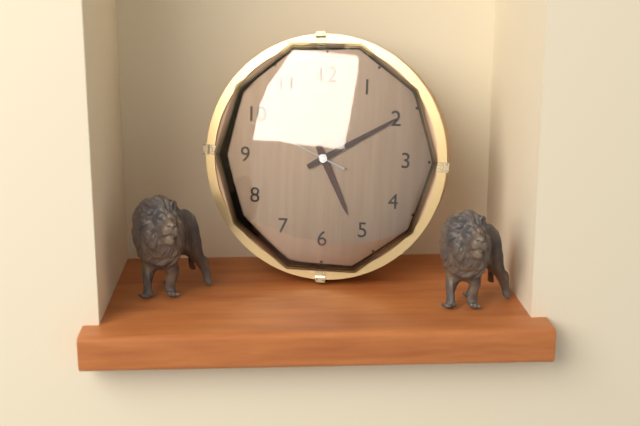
{"hour": 5, "minute": 10, "second": 49}
